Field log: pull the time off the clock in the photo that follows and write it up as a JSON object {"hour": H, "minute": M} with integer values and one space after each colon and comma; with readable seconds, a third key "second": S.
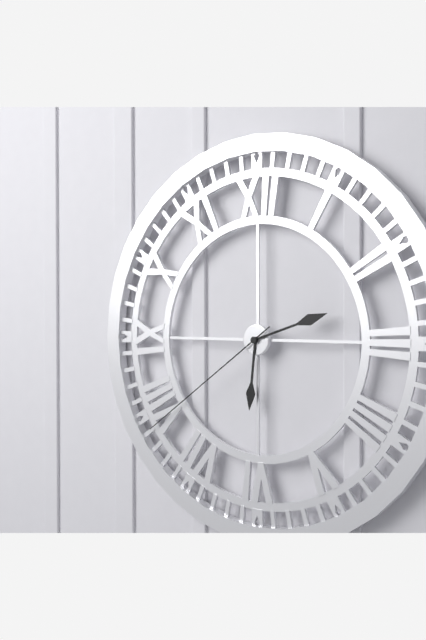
{"hour": 6, "minute": 12, "second": 39}
